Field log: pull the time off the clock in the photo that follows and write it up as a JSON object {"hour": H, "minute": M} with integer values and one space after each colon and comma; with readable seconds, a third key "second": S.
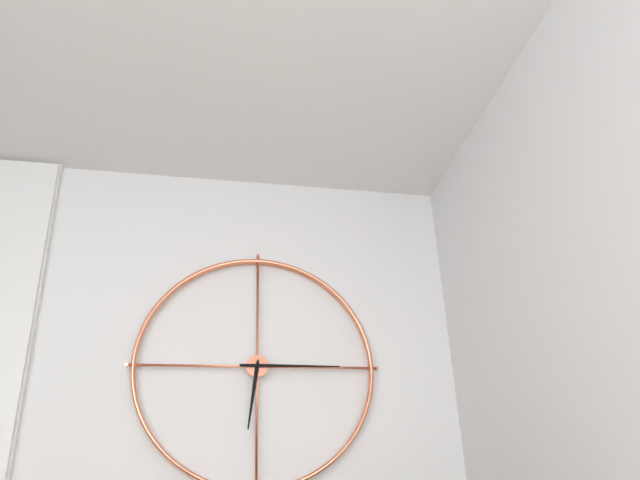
{"hour": 6, "minute": 15}
